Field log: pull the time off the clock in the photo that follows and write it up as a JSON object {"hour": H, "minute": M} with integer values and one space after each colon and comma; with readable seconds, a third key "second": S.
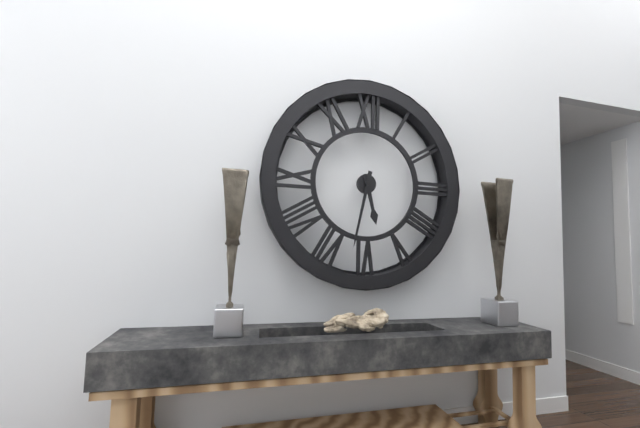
{"hour": 5, "minute": 32}
